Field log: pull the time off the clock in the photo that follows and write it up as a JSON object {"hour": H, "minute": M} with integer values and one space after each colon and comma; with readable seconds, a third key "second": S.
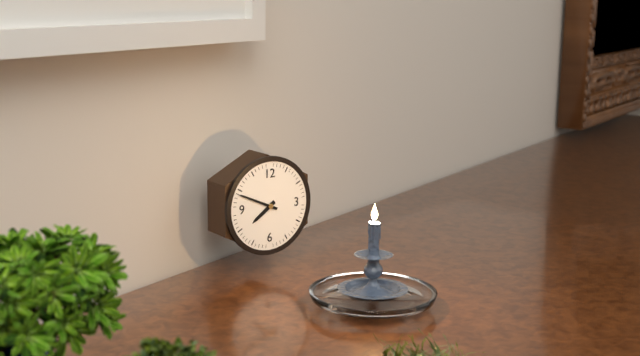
{"hour": 7, "minute": 49}
